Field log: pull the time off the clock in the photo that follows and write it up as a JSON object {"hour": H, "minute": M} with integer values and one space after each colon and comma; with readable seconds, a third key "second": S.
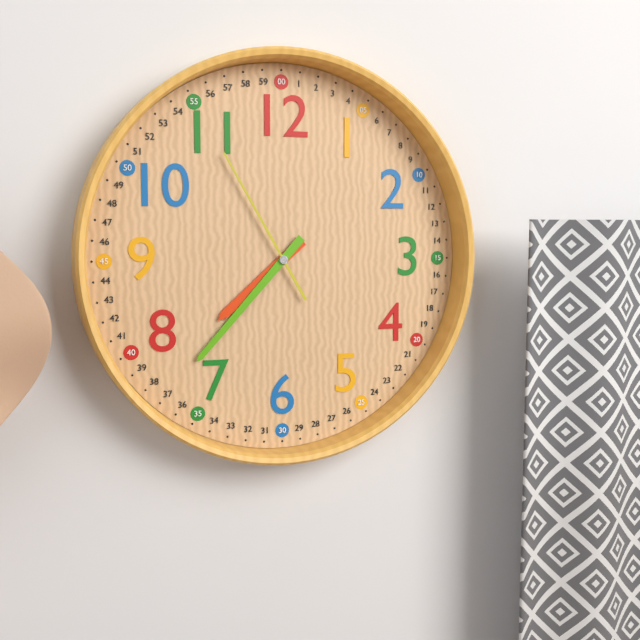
{"hour": 7, "minute": 37, "second": 55}
